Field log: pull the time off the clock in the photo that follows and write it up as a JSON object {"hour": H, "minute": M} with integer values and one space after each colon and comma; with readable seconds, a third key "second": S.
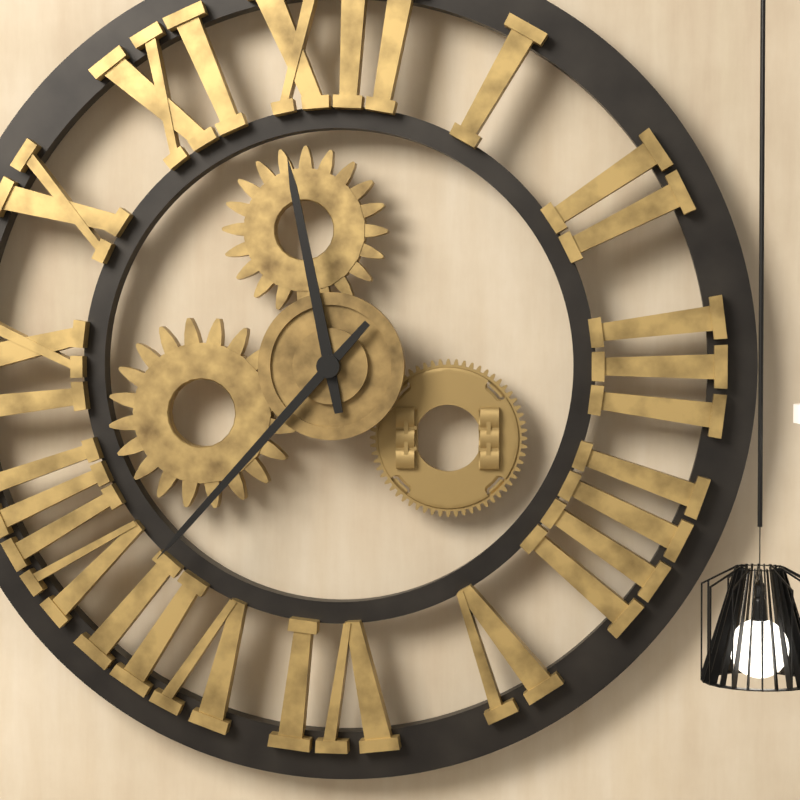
{"hour": 11, "minute": 37}
